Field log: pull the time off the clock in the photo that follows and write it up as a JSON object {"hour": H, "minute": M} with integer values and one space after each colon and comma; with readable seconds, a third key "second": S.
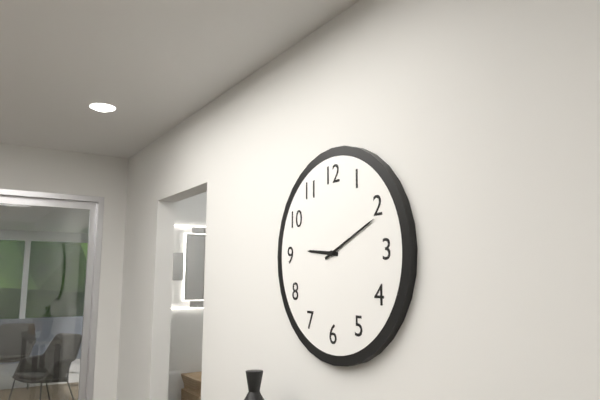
{"hour": 9, "minute": 11}
